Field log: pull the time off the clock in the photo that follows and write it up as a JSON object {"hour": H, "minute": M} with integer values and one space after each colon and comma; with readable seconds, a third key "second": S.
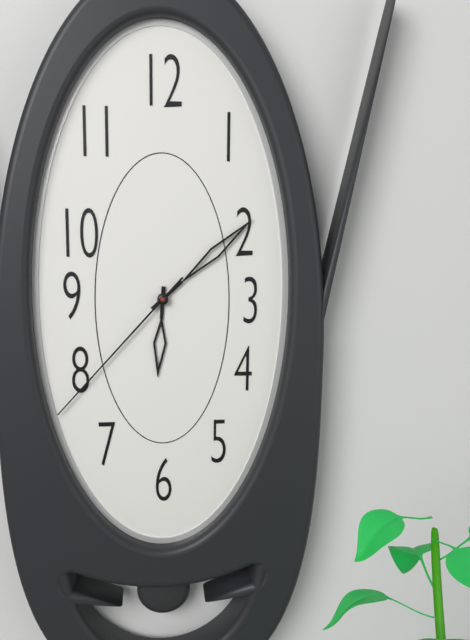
{"hour": 6, "minute": 8, "second": 37}
